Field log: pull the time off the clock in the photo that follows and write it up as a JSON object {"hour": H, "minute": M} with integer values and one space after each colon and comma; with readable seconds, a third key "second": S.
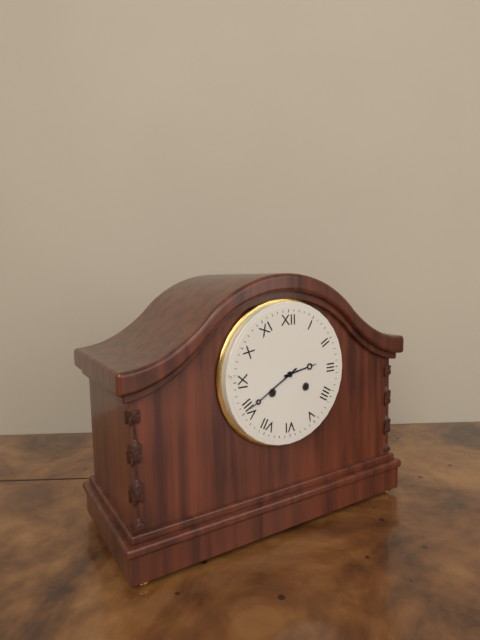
{"hour": 2, "minute": 40}
